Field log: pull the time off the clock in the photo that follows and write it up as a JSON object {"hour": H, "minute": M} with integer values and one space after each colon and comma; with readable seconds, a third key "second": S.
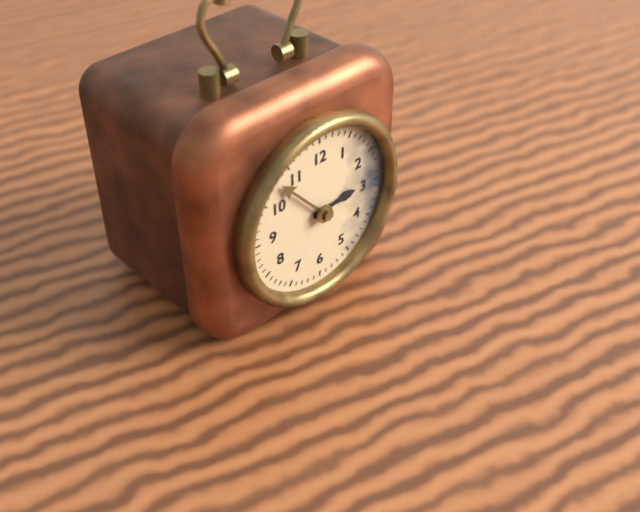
{"hour": 2, "minute": 53}
